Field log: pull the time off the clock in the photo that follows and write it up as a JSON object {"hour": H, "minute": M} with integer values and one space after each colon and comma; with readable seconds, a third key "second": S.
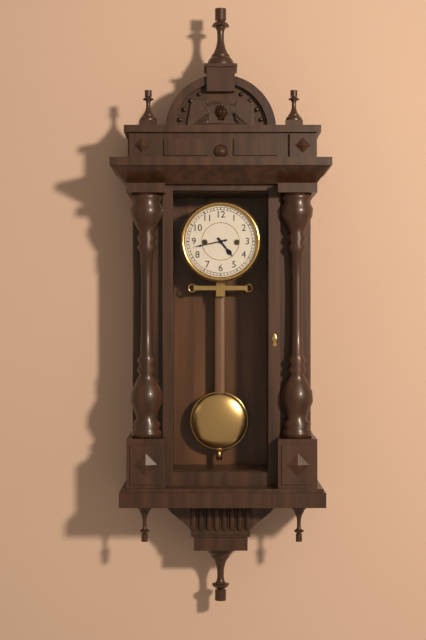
{"hour": 4, "minute": 43}
